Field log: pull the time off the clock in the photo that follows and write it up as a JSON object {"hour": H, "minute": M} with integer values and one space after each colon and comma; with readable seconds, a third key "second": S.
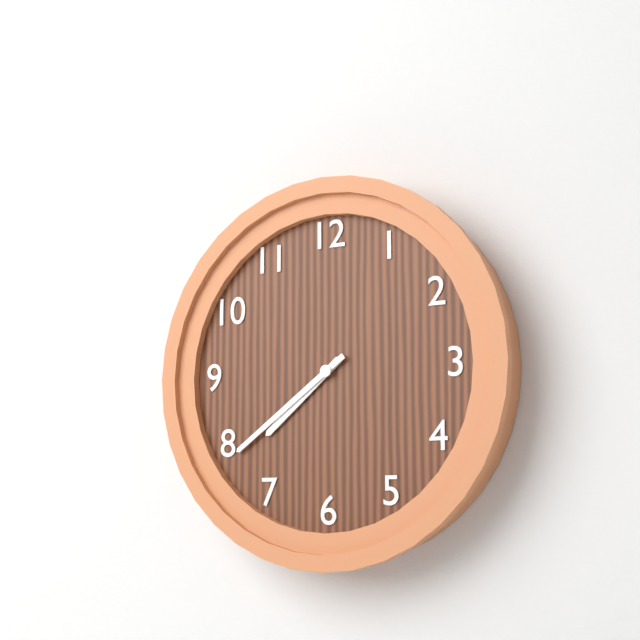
{"hour": 7, "minute": 39}
